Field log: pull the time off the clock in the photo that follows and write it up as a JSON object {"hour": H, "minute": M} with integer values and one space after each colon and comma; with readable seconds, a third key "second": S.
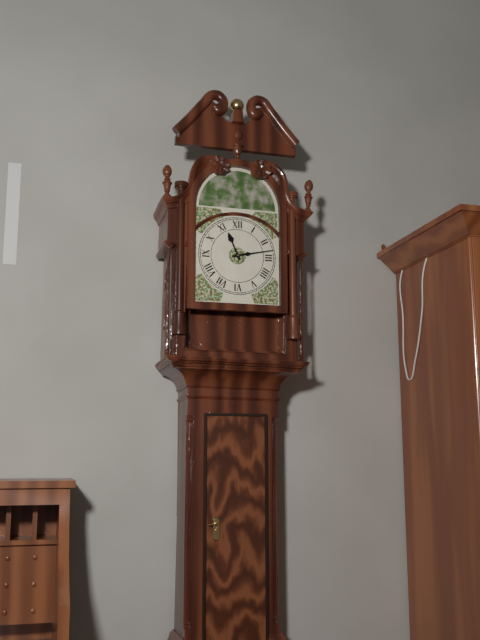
{"hour": 11, "minute": 13}
